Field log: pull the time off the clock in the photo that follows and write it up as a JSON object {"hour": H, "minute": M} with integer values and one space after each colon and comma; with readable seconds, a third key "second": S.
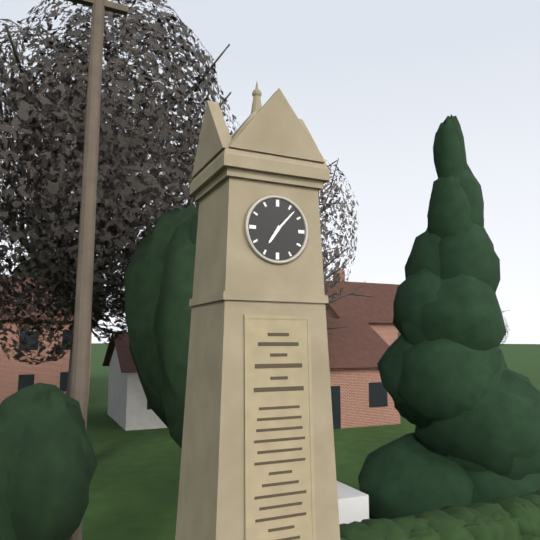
{"hour": 7, "minute": 7}
